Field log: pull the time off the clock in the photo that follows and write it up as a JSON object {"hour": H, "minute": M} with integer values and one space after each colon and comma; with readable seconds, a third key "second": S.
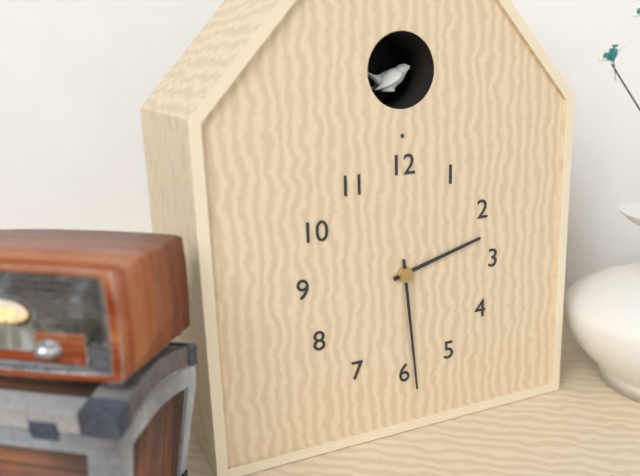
{"hour": 2, "minute": 29}
